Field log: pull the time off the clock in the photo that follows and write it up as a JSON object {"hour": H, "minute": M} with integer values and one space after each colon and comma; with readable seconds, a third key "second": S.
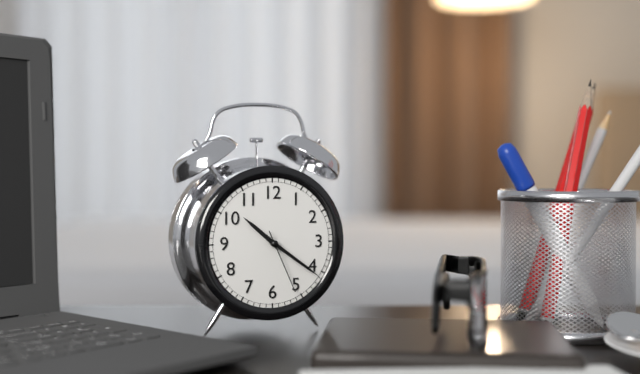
{"hour": 10, "minute": 21, "second": 26}
